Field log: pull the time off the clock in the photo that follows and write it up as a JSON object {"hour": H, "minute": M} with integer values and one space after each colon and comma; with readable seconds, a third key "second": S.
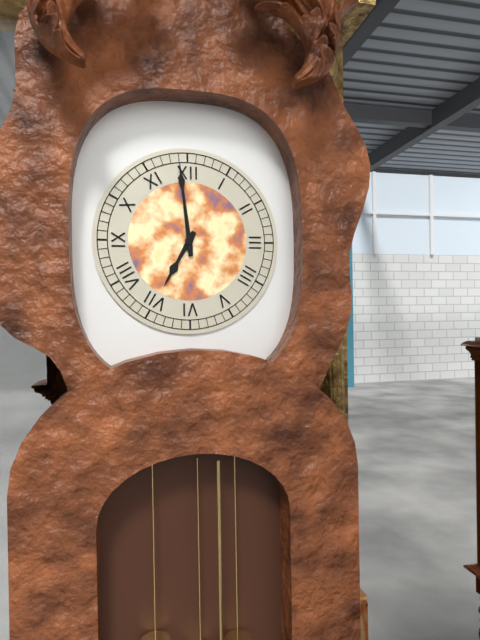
{"hour": 6, "minute": 59}
